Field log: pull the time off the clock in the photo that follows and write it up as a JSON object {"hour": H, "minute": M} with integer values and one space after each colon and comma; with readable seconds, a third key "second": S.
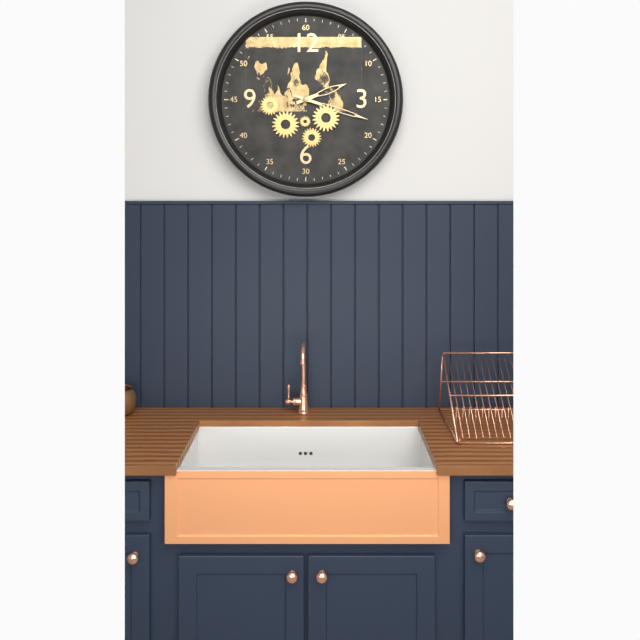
{"hour": 2, "minute": 18}
